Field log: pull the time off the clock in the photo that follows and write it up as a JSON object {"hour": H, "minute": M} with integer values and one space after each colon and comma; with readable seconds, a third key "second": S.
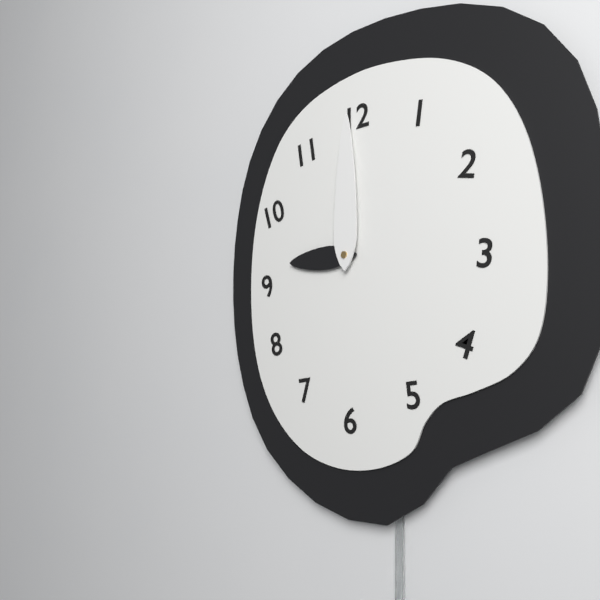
{"hour": 9, "minute": 0}
